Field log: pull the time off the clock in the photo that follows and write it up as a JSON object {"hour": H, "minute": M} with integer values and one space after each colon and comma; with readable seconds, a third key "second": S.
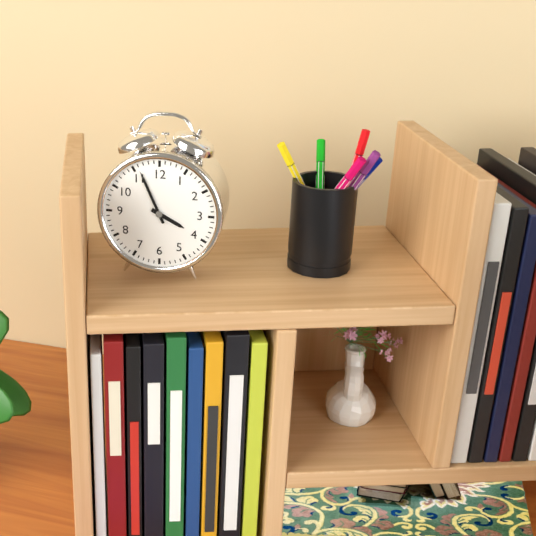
{"hour": 3, "minute": 56}
